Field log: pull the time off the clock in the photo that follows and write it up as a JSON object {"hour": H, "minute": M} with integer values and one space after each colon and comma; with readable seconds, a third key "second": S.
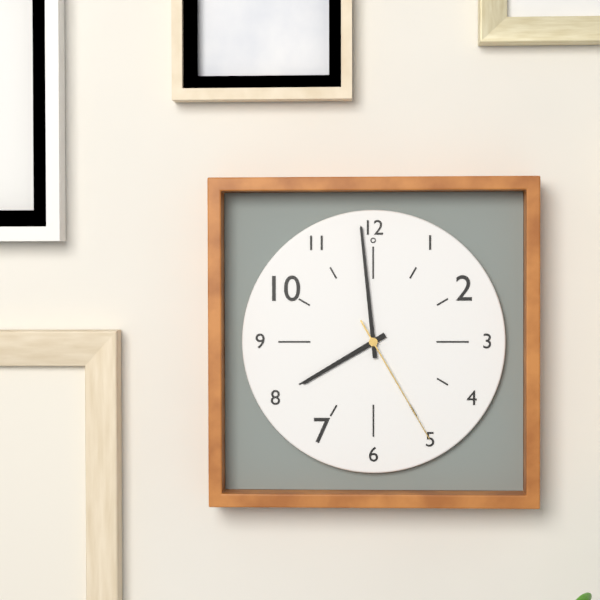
{"hour": 7, "minute": 59, "second": 25}
